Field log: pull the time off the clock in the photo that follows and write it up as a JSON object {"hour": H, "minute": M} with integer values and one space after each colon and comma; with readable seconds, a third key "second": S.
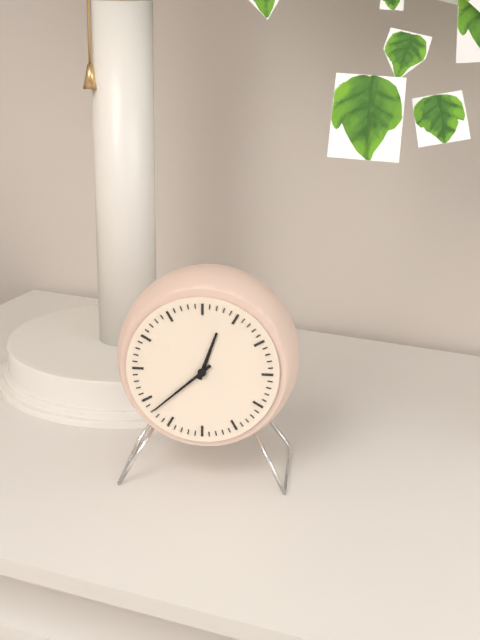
{"hour": 12, "minute": 38}
